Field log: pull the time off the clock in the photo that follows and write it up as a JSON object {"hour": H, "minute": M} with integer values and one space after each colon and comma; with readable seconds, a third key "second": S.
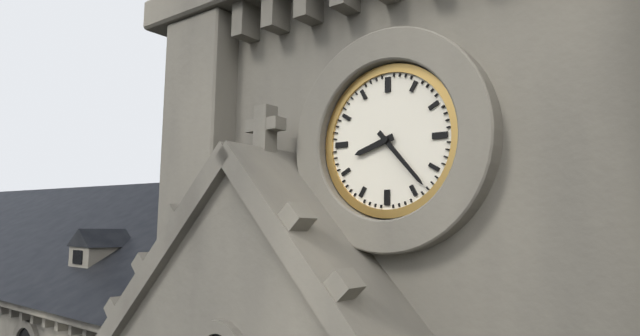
{"hour": 8, "minute": 23}
